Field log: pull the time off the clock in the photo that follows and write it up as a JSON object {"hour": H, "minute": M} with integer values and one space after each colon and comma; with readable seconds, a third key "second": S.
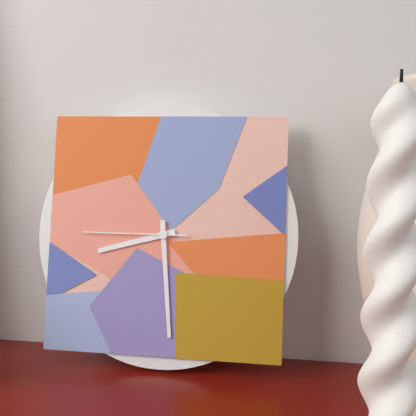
{"hour": 8, "minute": 29, "second": 45}
